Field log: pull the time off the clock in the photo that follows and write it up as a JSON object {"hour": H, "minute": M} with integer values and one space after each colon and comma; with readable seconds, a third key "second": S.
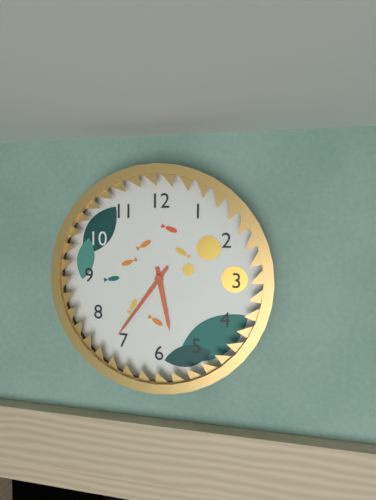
{"hour": 5, "minute": 36}
